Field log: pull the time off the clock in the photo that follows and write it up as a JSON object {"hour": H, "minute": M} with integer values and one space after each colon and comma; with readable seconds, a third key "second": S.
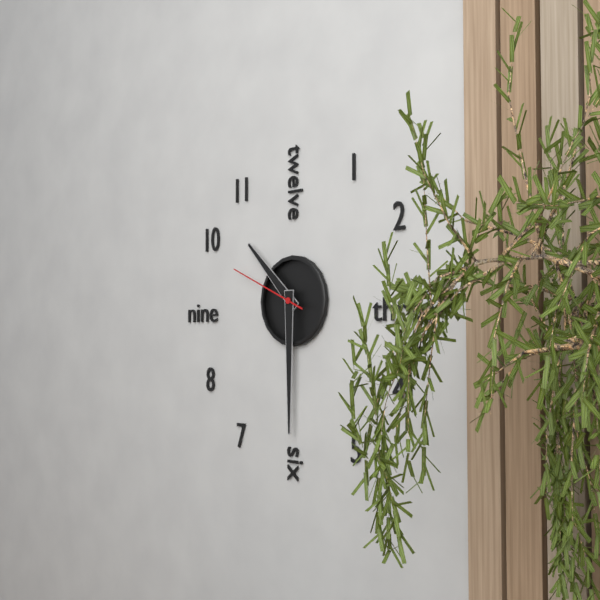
{"hour": 10, "minute": 30, "second": 49}
